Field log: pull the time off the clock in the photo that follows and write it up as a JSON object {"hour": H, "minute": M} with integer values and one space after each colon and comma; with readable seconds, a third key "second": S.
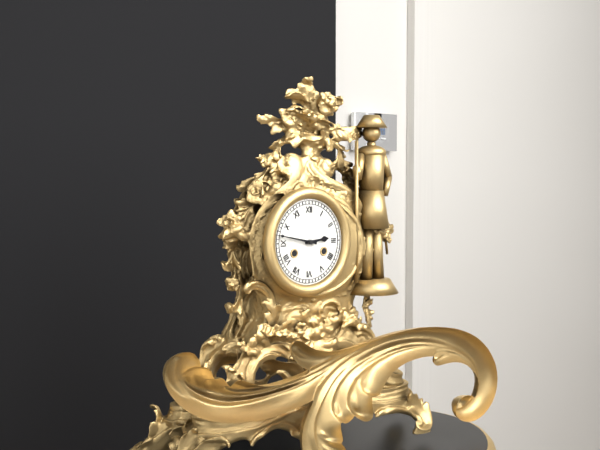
{"hour": 2, "minute": 47}
